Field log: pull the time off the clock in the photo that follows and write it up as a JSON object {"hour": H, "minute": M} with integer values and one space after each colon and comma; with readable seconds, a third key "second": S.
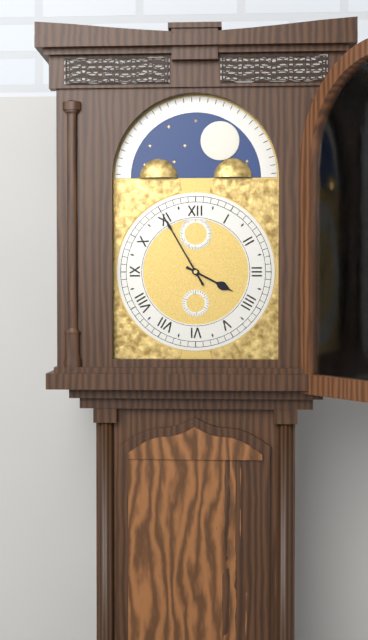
{"hour": 3, "minute": 55}
